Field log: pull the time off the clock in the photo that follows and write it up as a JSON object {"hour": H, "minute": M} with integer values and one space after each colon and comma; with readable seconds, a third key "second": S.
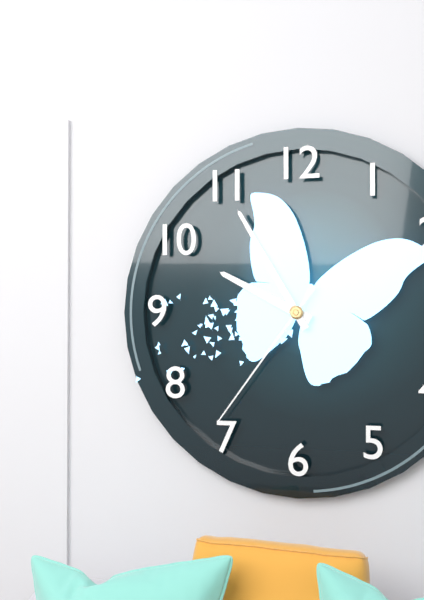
{"hour": 9, "minute": 55, "second": 36}
